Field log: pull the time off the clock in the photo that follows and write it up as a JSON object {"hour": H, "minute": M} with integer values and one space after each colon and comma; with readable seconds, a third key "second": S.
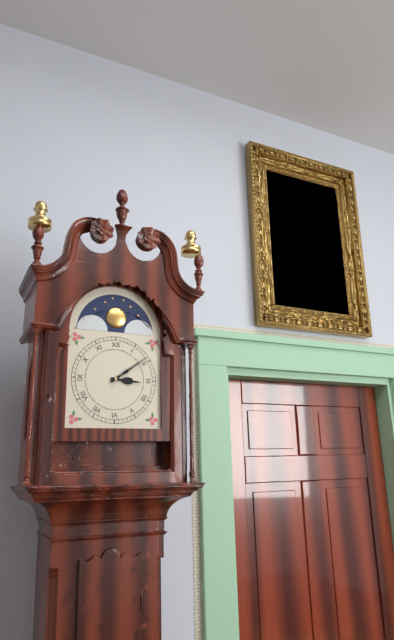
{"hour": 3, "minute": 9}
